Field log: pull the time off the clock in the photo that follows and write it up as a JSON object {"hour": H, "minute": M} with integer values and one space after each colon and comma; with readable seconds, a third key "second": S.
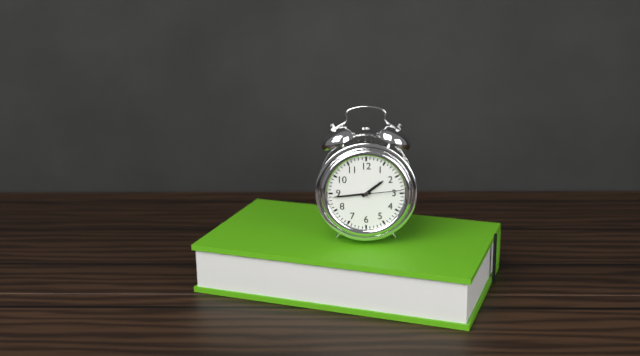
{"hour": 1, "minute": 44}
